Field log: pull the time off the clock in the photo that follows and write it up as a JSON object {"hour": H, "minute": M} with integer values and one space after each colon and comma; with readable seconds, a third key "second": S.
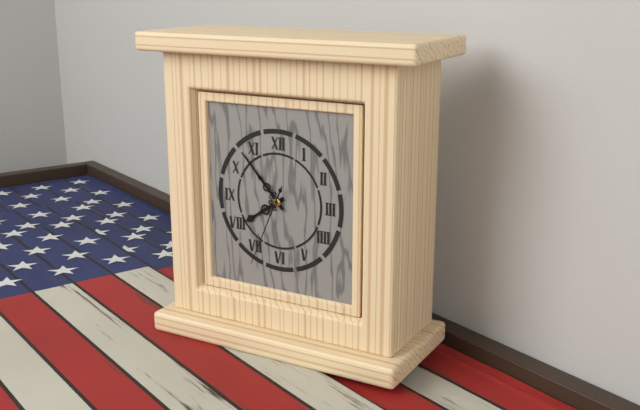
{"hour": 7, "minute": 53, "second": 34}
